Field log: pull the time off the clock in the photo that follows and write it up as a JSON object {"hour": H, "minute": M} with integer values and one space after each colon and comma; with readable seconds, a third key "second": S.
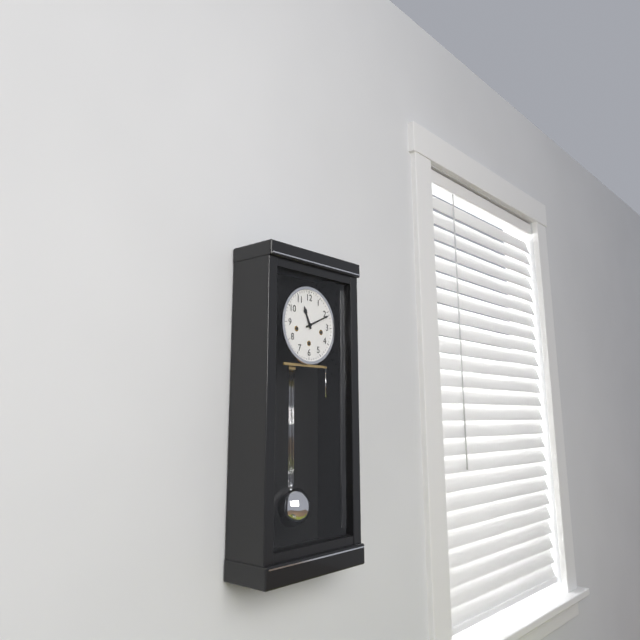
{"hour": 11, "minute": 11}
